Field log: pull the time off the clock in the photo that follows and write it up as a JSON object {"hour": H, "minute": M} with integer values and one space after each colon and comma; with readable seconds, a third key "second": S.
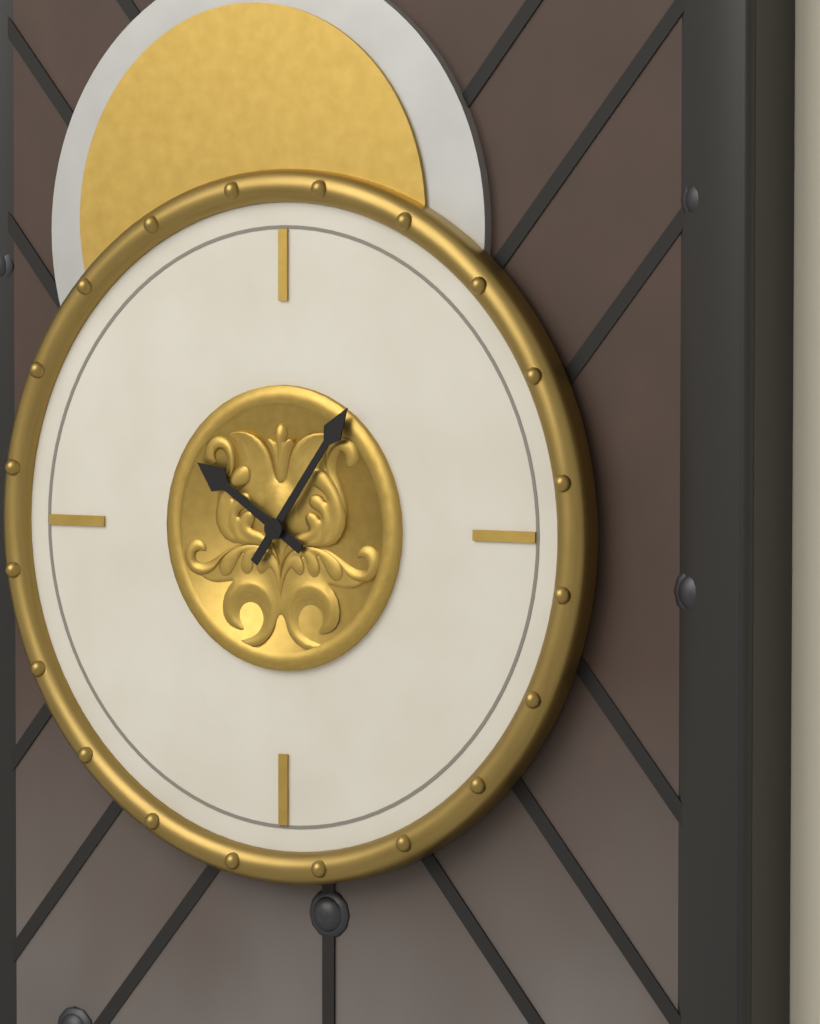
{"hour": 10, "minute": 6}
